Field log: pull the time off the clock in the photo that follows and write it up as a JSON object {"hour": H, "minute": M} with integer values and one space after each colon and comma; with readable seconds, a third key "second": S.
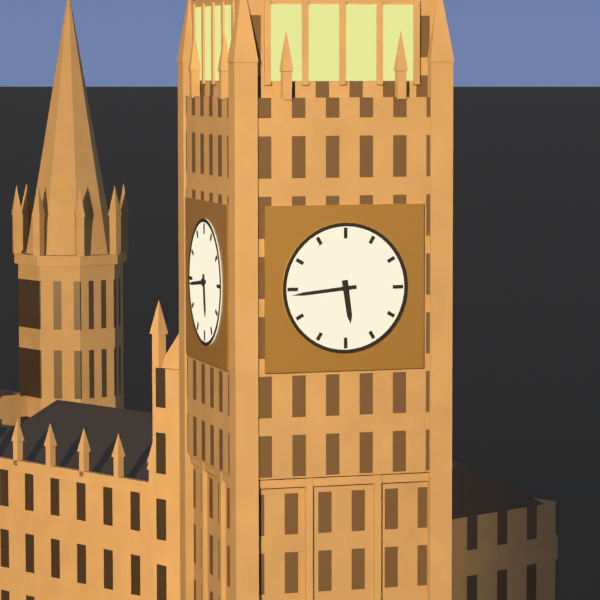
{"hour": 5, "minute": 44}
